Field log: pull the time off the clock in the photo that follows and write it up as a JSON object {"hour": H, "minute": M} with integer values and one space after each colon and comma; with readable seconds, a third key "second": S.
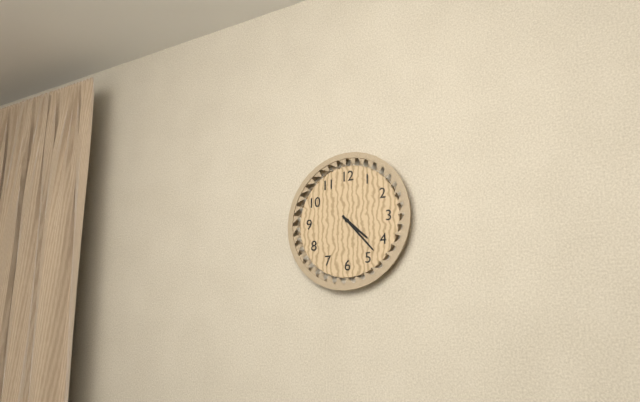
{"hour": 4, "minute": 23}
